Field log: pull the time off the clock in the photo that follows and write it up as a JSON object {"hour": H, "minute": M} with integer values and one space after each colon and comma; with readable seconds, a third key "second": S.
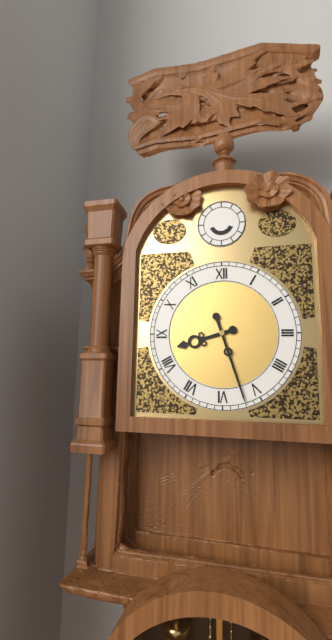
{"hour": 8, "minute": 27}
